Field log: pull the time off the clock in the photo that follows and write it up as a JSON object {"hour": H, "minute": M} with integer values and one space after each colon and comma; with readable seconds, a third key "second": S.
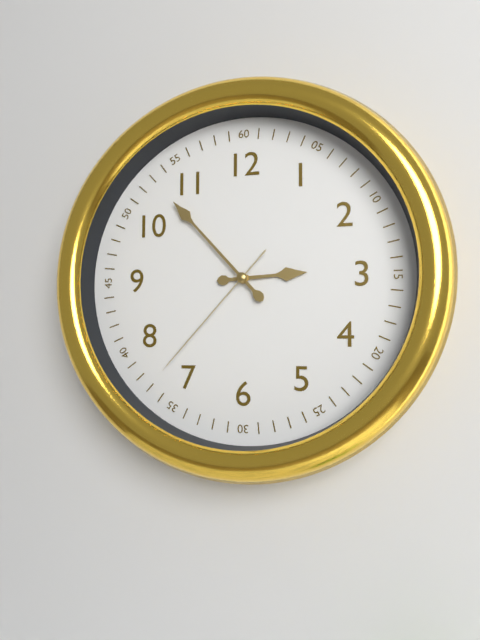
{"hour": 2, "minute": 53, "second": 37}
